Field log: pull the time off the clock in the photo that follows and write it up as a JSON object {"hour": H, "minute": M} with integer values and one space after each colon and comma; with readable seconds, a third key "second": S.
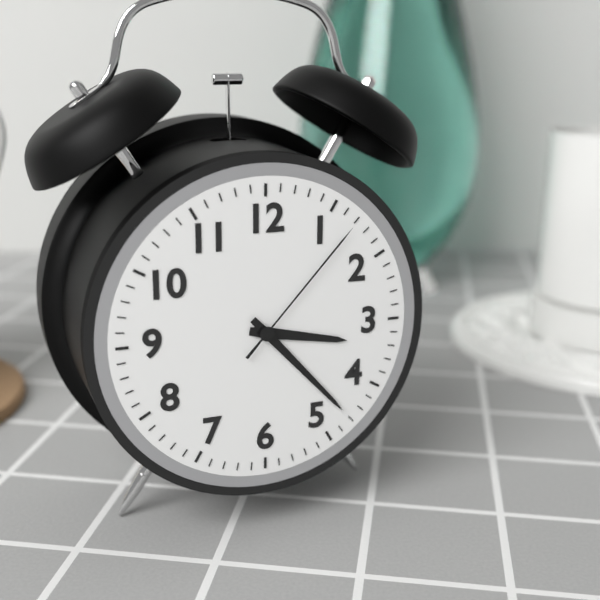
{"hour": 3, "minute": 23, "second": 7}
